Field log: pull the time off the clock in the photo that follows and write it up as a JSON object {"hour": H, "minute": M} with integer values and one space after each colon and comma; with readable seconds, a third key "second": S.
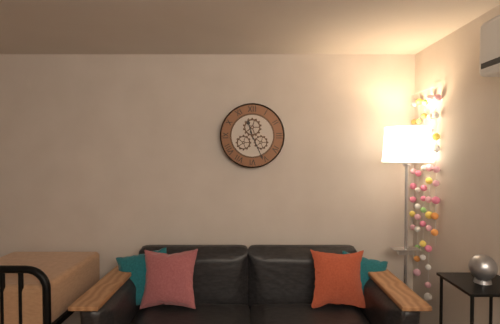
{"hour": 11, "minute": 26}
